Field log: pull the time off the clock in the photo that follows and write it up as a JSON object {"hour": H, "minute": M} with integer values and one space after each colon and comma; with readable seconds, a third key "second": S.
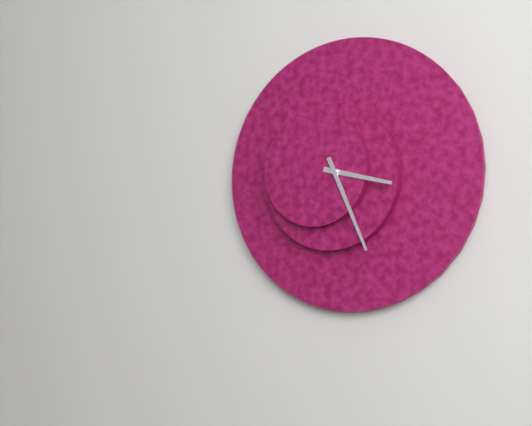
{"hour": 3, "minute": 26}
